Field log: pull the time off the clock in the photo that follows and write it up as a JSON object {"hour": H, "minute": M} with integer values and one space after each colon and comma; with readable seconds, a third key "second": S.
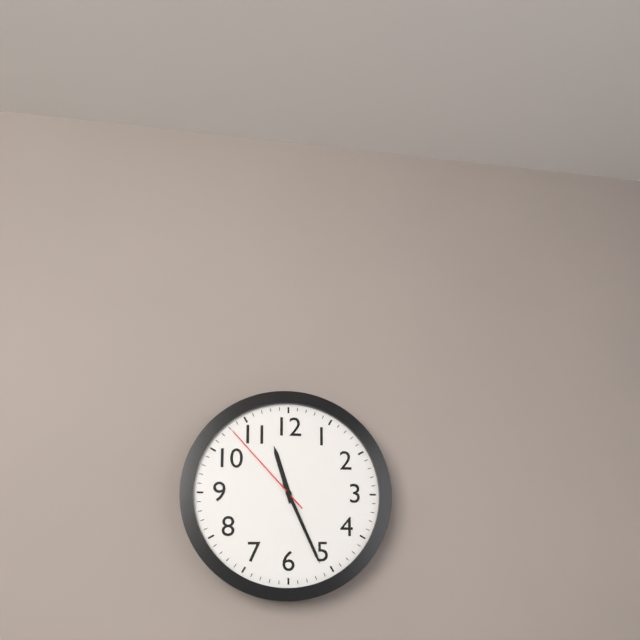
{"hour": 11, "minute": 26, "second": 53}
